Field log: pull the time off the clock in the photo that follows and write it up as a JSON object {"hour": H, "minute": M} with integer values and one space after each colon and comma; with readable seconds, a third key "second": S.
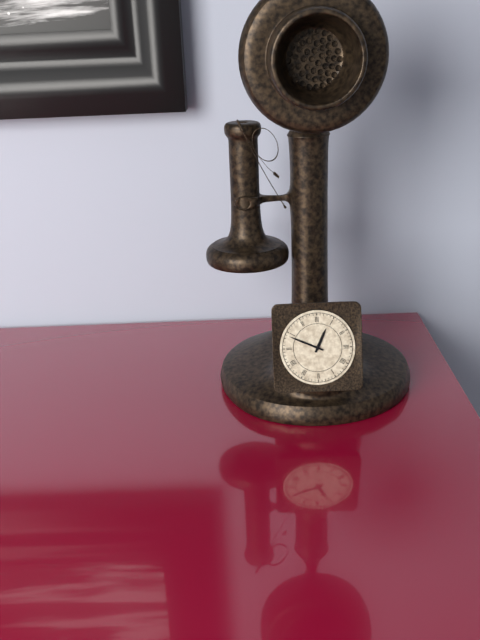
{"hour": 12, "minute": 49}
